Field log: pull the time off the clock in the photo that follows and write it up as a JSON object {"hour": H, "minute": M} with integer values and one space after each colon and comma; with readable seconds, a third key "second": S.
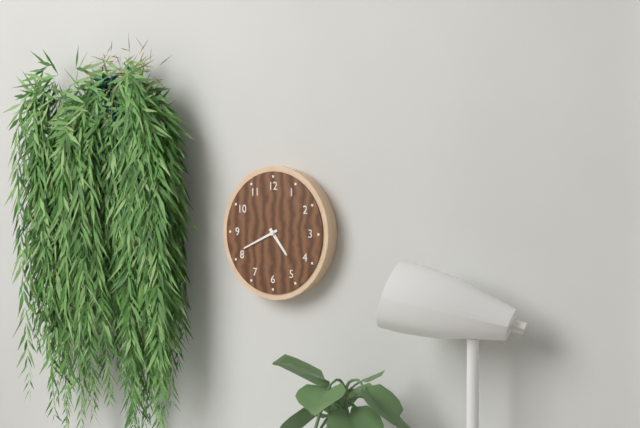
{"hour": 4, "minute": 41}
